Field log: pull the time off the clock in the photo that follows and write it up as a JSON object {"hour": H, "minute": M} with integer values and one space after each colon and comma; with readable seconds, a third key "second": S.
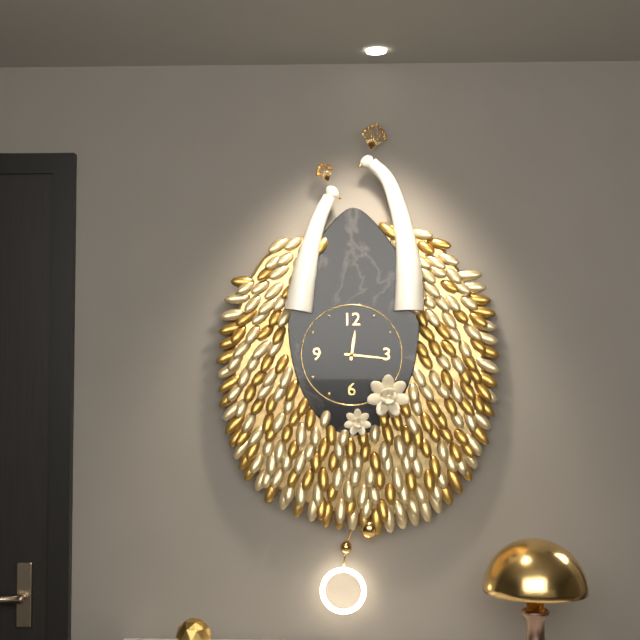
{"hour": 12, "minute": 16}
